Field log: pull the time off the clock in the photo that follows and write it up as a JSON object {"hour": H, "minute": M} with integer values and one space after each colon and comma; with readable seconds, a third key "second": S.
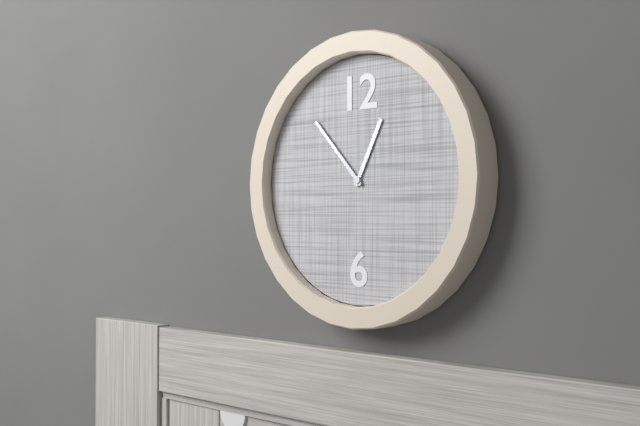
{"hour": 12, "minute": 53}
